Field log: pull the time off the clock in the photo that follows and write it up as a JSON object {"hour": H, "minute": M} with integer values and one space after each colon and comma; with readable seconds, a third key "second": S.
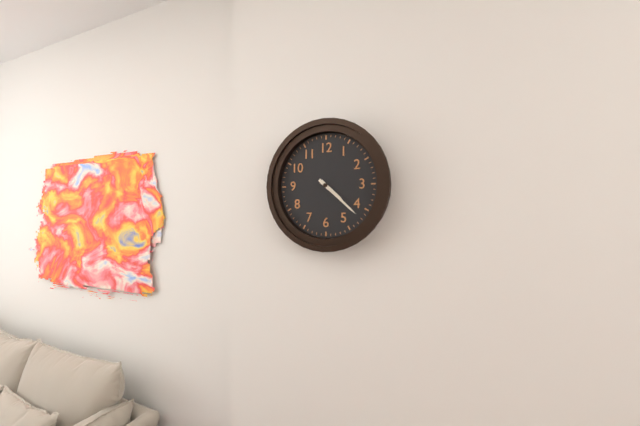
{"hour": 4, "minute": 22}
